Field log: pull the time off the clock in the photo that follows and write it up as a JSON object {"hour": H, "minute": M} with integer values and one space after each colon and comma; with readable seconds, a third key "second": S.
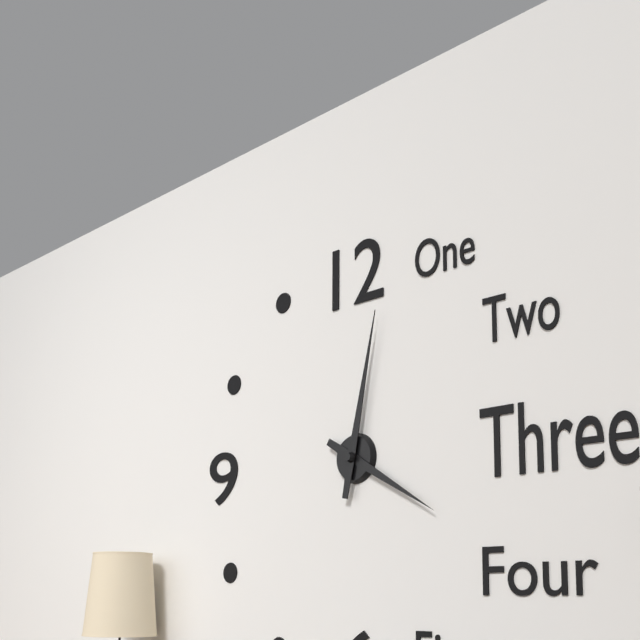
{"hour": 4, "minute": 2}
